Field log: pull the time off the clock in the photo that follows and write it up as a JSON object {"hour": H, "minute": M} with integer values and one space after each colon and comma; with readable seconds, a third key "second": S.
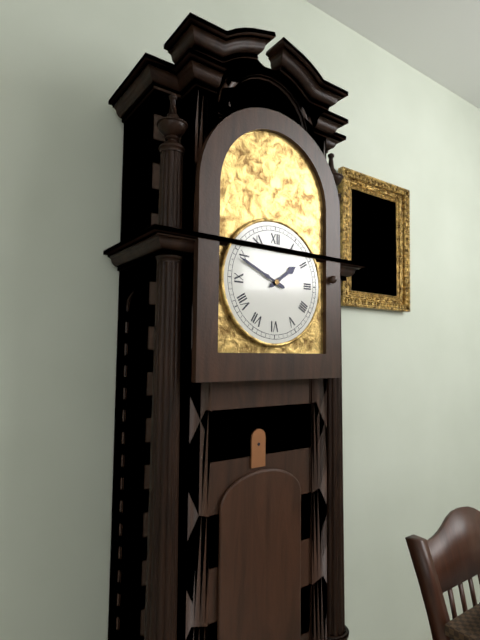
{"hour": 1, "minute": 49}
